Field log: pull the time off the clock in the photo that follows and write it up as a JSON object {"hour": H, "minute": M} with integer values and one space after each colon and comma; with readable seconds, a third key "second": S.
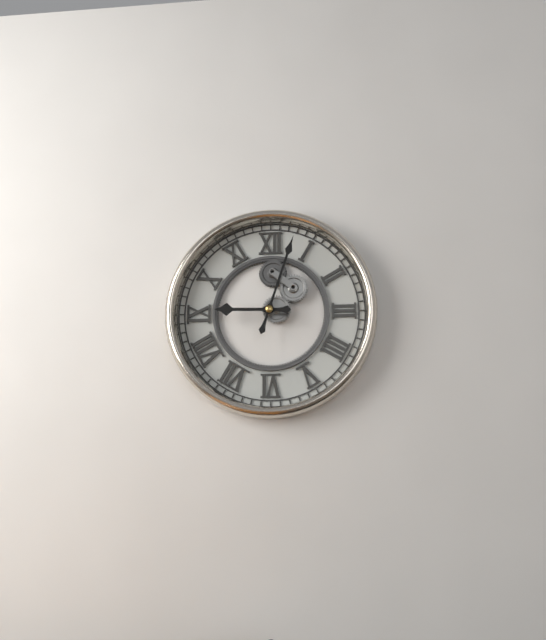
{"hour": 9, "minute": 3}
